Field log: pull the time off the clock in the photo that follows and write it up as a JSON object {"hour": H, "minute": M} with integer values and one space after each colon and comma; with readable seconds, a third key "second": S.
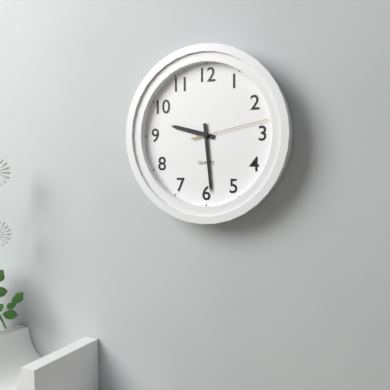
{"hour": 9, "minute": 29, "second": 13}
